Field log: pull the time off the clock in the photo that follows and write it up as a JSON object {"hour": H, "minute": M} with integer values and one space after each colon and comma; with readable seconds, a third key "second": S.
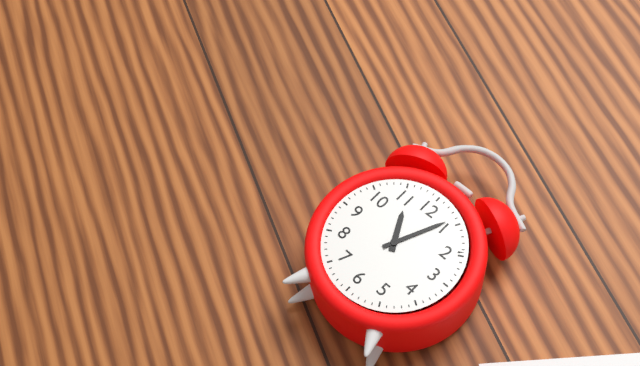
{"hour": 11, "minute": 4}
